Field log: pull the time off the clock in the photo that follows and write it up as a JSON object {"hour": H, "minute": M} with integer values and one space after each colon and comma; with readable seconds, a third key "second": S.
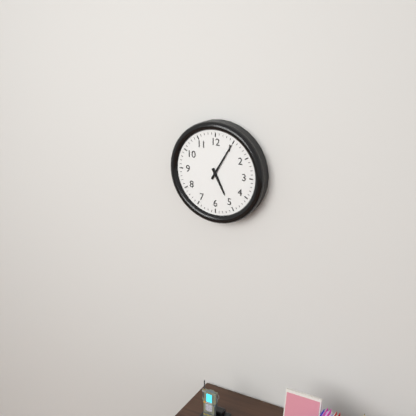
{"hour": 5, "minute": 5}
